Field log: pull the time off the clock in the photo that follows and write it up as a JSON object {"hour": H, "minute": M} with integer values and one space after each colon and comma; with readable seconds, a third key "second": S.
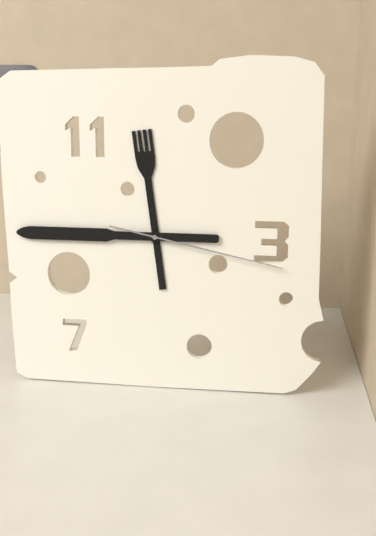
{"hour": 11, "minute": 45, "second": 17}
